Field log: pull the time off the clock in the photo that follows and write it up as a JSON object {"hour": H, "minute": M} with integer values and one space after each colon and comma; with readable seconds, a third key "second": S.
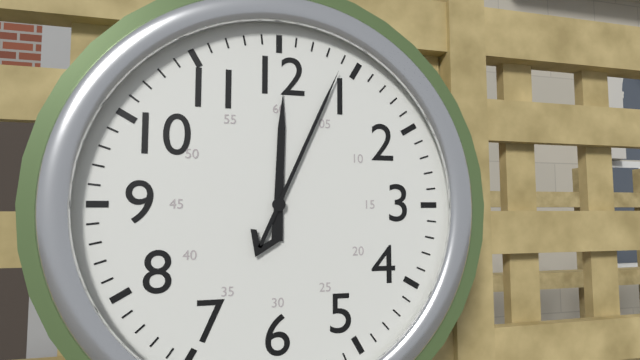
{"hour": 12, "minute": 4}
